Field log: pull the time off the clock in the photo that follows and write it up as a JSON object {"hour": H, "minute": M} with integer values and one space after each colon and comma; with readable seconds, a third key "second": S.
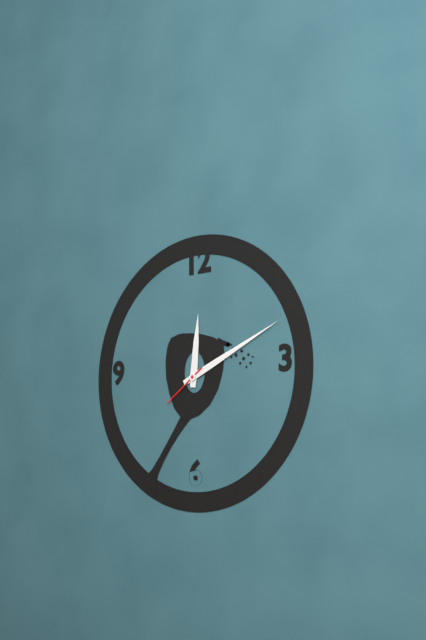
{"hour": 12, "minute": 11}
